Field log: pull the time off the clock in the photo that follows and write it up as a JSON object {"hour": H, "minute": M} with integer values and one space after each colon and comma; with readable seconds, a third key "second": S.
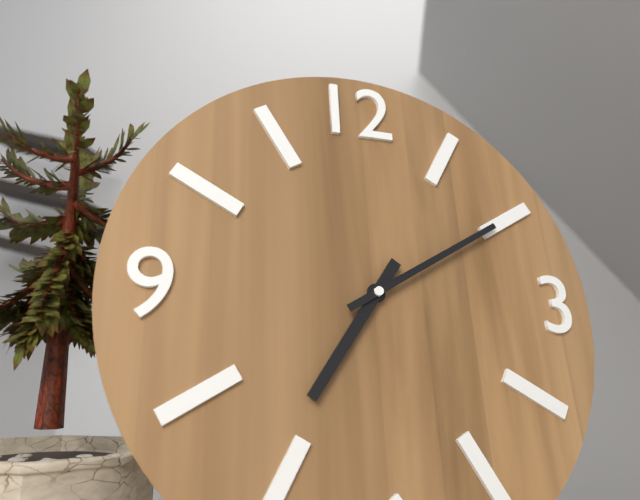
{"hour": 7, "minute": 10}
